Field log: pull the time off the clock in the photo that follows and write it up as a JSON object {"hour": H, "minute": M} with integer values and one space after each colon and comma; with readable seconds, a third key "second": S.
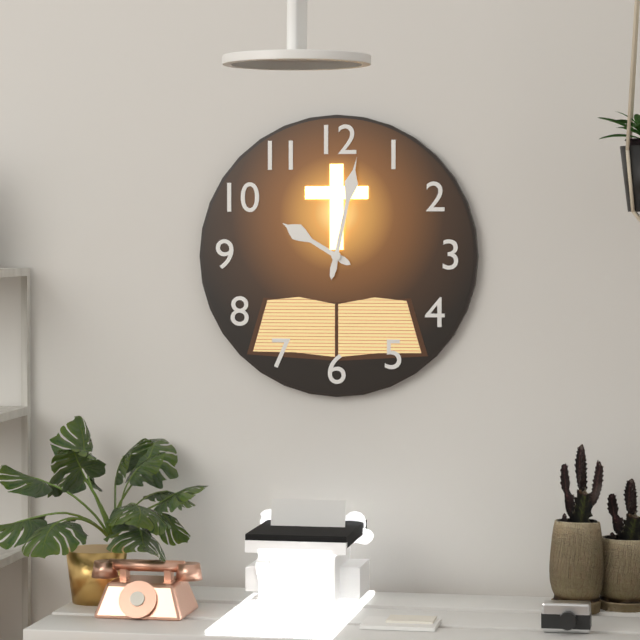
{"hour": 10, "minute": 2}
